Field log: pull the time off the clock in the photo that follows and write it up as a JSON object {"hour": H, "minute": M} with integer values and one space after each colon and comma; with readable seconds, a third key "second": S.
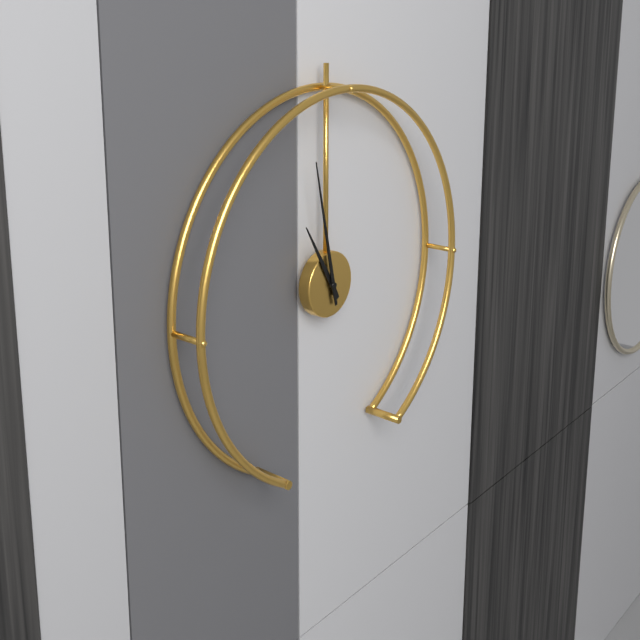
{"hour": 10, "minute": 58}
